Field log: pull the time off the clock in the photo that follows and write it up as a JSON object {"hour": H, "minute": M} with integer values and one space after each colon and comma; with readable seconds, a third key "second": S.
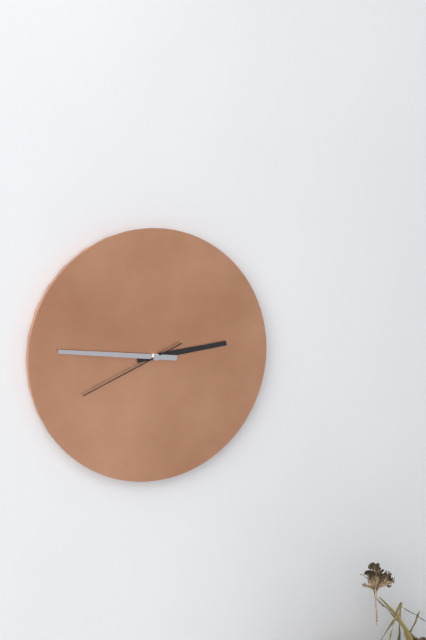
{"hour": 2, "minute": 46, "second": 41}
